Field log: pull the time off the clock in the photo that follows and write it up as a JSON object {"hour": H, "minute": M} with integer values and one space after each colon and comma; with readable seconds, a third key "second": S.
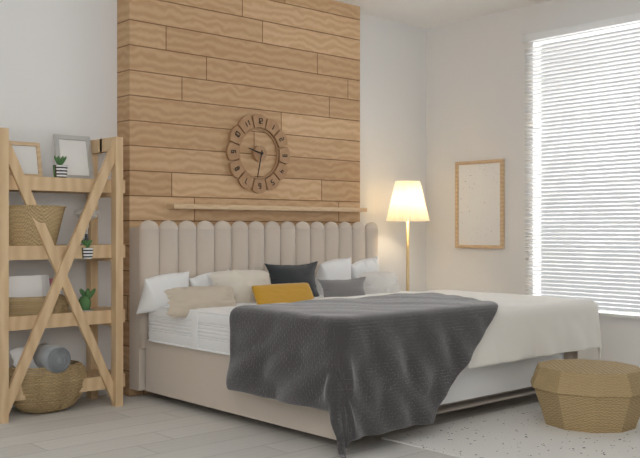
{"hour": 9, "minute": 32}
